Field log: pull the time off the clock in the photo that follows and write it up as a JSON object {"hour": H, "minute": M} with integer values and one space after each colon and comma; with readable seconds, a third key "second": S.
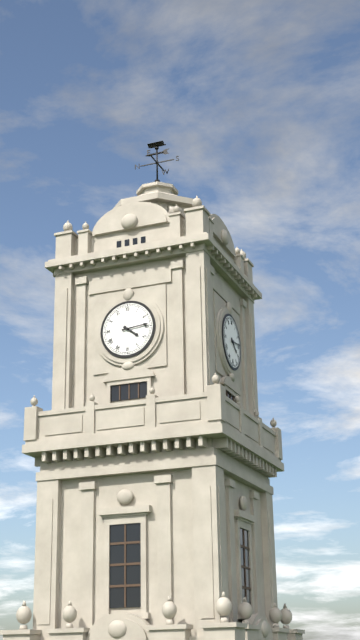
{"hour": 4, "minute": 14}
